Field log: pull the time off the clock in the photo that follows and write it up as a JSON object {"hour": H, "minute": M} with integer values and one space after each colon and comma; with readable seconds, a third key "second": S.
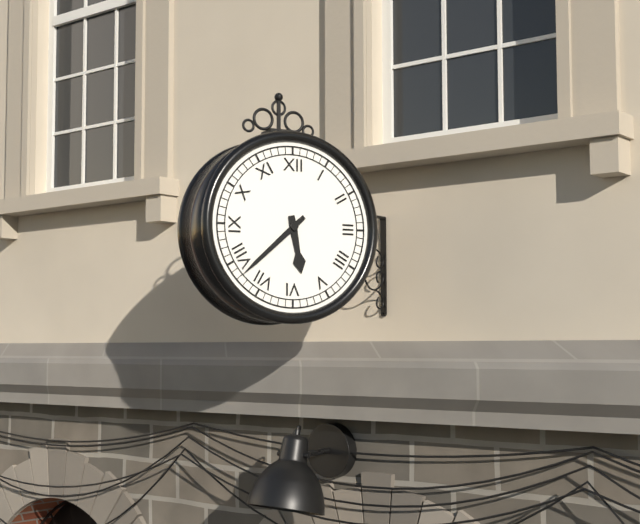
{"hour": 5, "minute": 38}
